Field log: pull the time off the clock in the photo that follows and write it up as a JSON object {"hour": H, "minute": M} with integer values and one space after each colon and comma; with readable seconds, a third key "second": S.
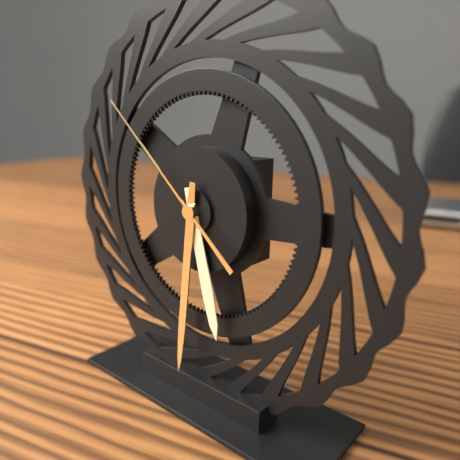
{"hour": 5, "minute": 31, "second": 52}
